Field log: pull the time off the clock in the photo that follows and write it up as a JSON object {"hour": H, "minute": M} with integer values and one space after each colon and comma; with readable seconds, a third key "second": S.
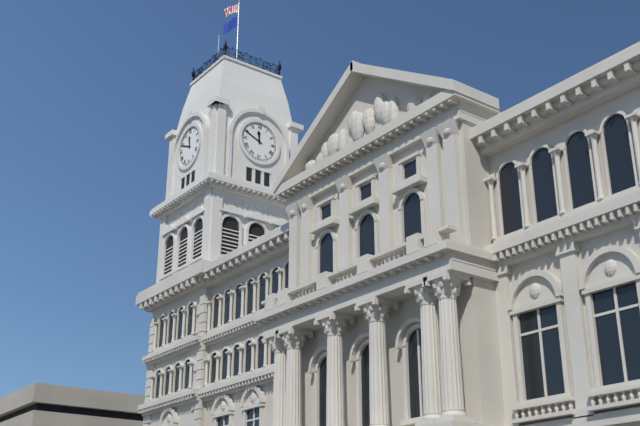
{"hour": 11, "minute": 49}
